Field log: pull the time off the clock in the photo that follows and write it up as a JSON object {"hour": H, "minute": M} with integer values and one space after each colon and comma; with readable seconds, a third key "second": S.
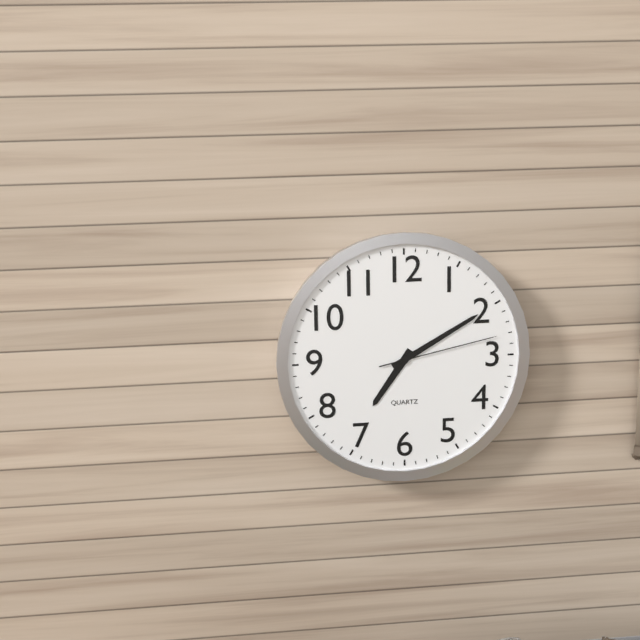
{"hour": 7, "minute": 10, "second": 13}
